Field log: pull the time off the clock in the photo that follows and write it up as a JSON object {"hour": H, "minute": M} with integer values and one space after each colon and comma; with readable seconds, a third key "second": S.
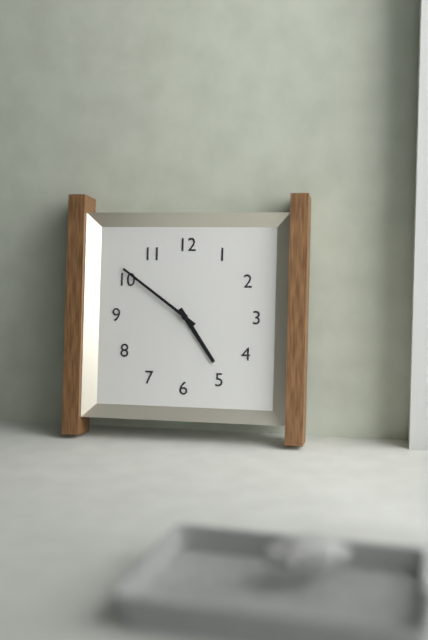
{"hour": 4, "minute": 51}
